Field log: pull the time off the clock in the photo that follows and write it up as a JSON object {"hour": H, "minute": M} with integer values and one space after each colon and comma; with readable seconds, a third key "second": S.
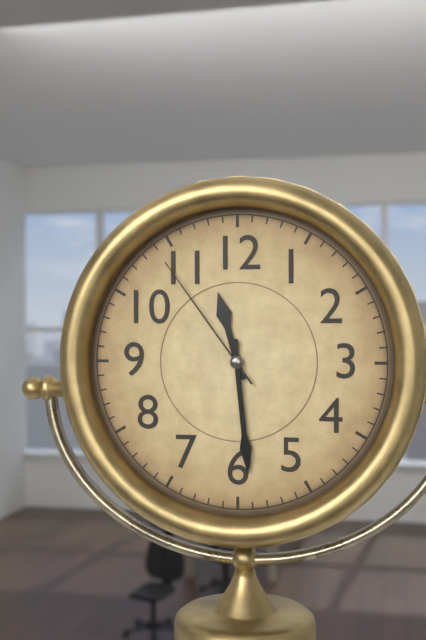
{"hour": 11, "minute": 29, "second": 54}
